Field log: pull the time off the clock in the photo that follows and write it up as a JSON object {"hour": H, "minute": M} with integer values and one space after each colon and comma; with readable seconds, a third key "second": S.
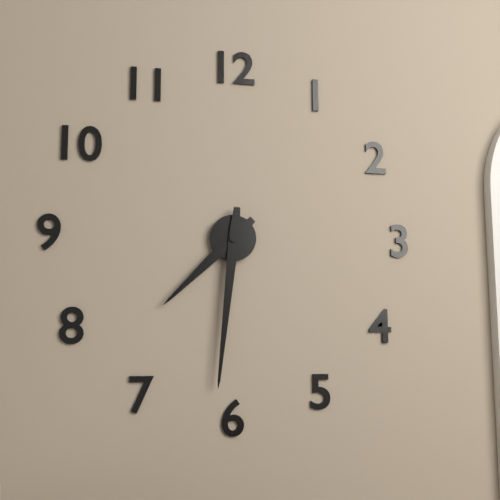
{"hour": 7, "minute": 31}
